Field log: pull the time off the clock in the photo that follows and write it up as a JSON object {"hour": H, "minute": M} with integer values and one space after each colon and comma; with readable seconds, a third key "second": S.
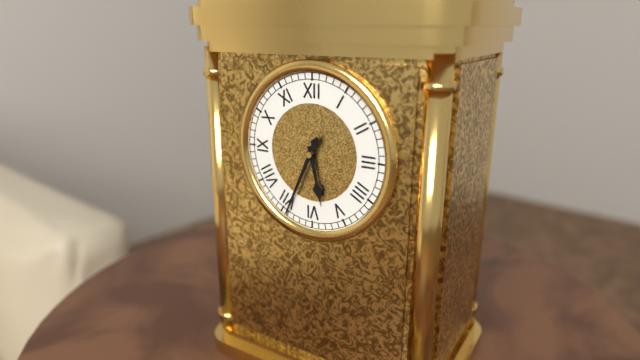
{"hour": 5, "minute": 34}
